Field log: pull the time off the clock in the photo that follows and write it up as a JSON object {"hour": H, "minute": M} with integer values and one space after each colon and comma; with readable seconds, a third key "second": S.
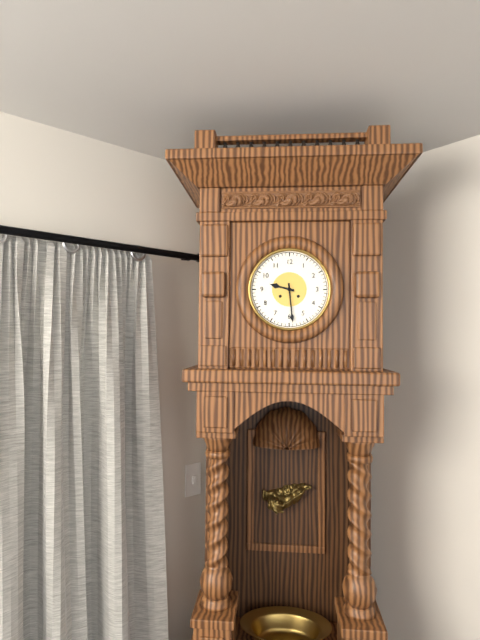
{"hour": 9, "minute": 29}
